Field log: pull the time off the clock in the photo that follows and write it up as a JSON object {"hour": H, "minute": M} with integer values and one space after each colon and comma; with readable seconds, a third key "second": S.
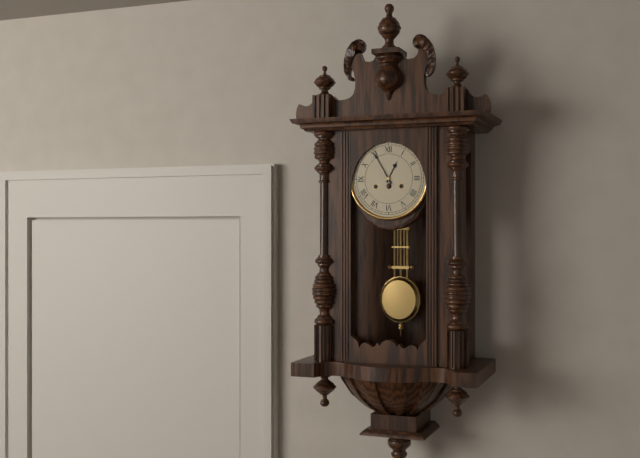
{"hour": 12, "minute": 55}
